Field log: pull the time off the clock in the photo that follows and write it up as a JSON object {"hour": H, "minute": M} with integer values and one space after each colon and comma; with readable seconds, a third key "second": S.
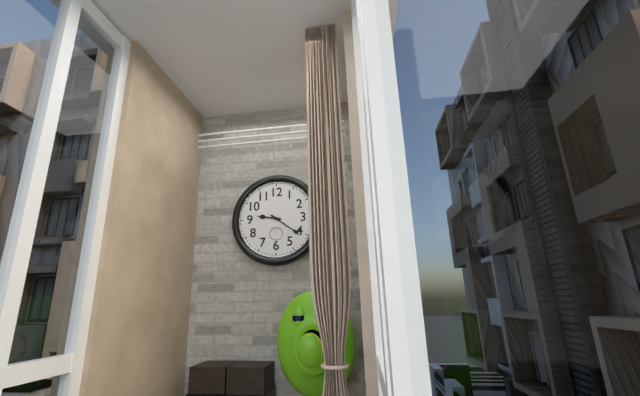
{"hour": 9, "minute": 21}
